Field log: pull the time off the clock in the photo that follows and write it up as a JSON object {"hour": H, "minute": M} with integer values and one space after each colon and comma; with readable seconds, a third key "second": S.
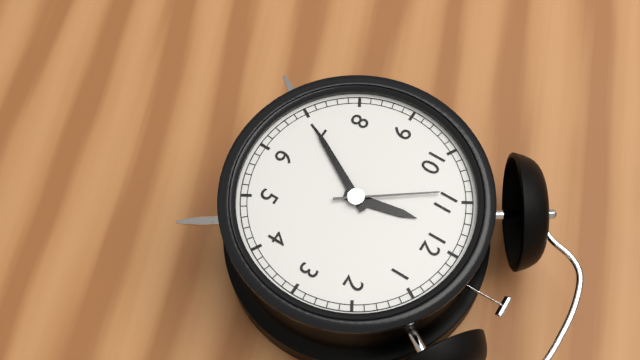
{"hour": 11, "minute": 35, "second": 54}
